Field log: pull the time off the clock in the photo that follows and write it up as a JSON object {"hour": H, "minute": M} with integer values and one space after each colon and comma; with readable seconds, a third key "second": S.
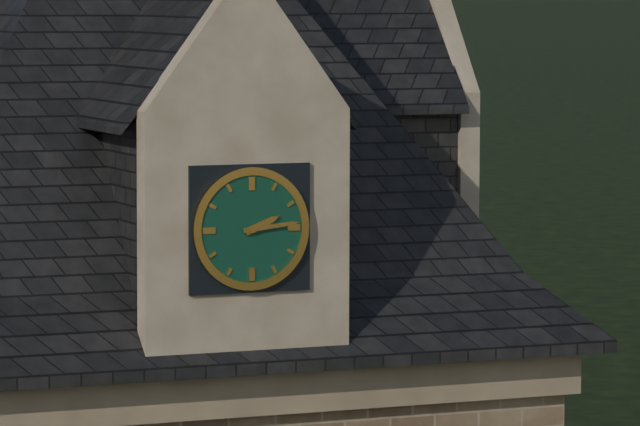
{"hour": 2, "minute": 14}
